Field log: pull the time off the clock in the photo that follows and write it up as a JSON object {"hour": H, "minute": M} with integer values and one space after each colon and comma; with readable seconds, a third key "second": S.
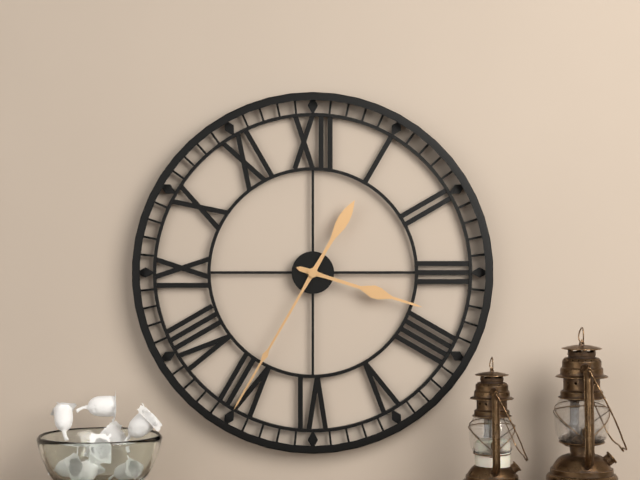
{"hour": 3, "minute": 35}
